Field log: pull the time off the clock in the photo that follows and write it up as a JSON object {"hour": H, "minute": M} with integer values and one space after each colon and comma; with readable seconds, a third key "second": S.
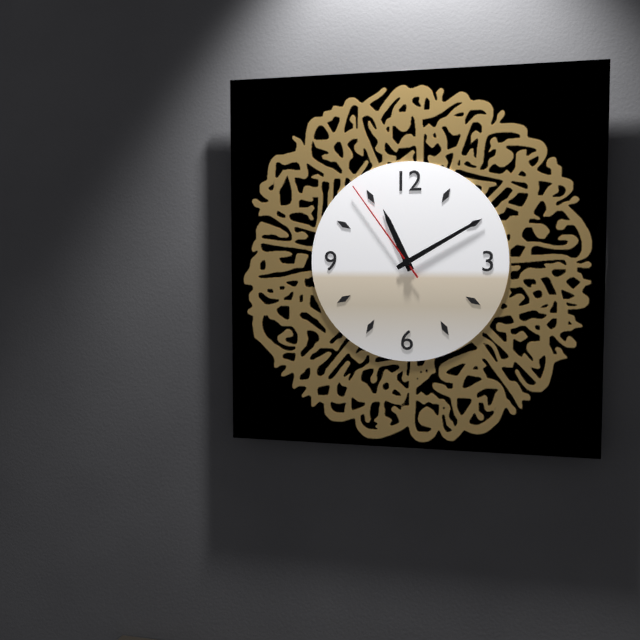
{"hour": 11, "minute": 10, "second": 54}
